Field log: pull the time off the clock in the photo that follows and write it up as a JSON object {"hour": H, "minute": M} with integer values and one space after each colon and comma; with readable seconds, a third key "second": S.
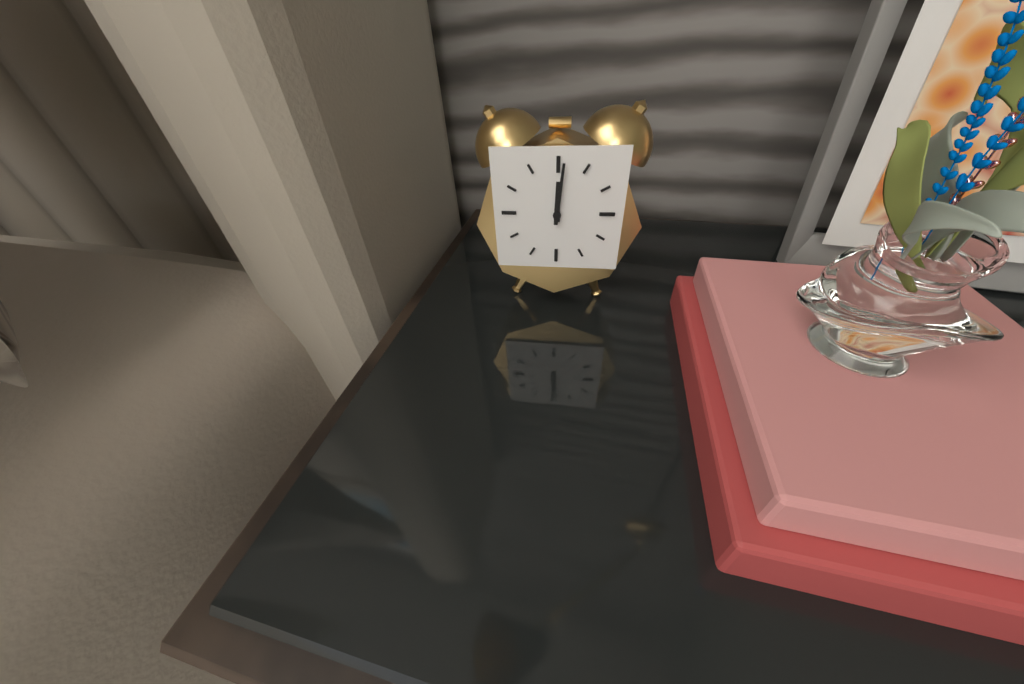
{"hour": 12, "minute": 1}
